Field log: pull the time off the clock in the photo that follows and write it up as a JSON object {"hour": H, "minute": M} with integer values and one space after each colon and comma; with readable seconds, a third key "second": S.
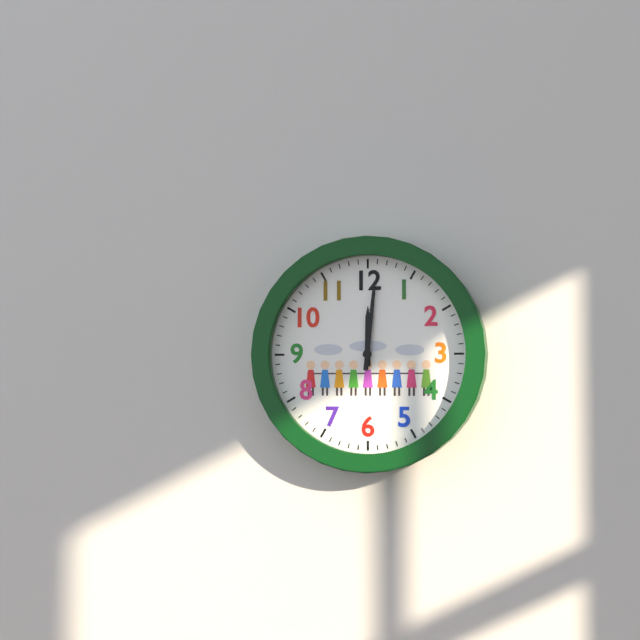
{"hour": 12, "minute": 1}
